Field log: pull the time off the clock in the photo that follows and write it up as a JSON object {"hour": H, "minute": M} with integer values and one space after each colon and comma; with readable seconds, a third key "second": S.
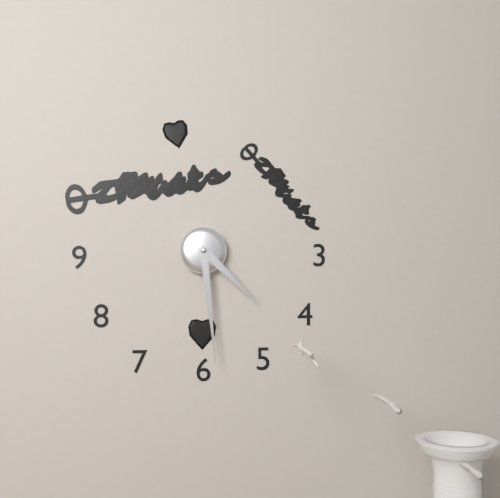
{"hour": 4, "minute": 29}
